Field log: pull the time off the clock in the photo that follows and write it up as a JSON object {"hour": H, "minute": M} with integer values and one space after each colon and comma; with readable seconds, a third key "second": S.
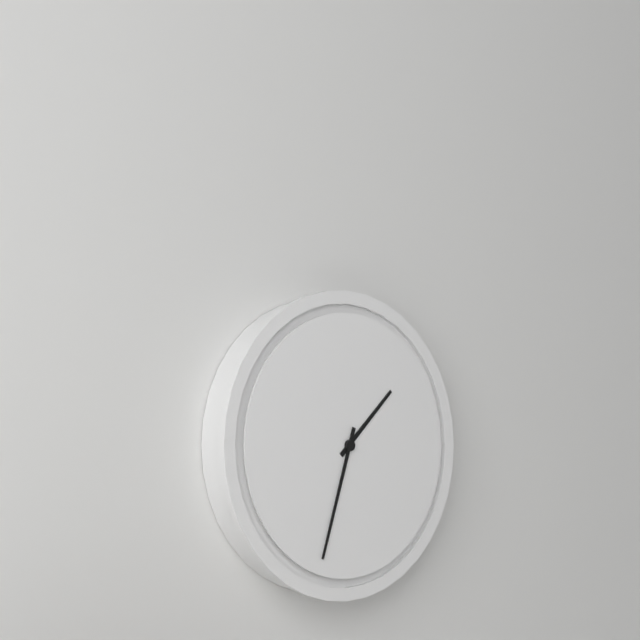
{"hour": 1, "minute": 33}
